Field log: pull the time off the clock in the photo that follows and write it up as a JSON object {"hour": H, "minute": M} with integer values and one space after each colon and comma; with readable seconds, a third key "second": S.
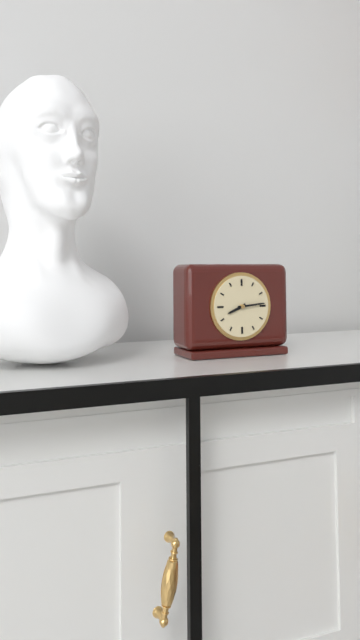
{"hour": 8, "minute": 14}
